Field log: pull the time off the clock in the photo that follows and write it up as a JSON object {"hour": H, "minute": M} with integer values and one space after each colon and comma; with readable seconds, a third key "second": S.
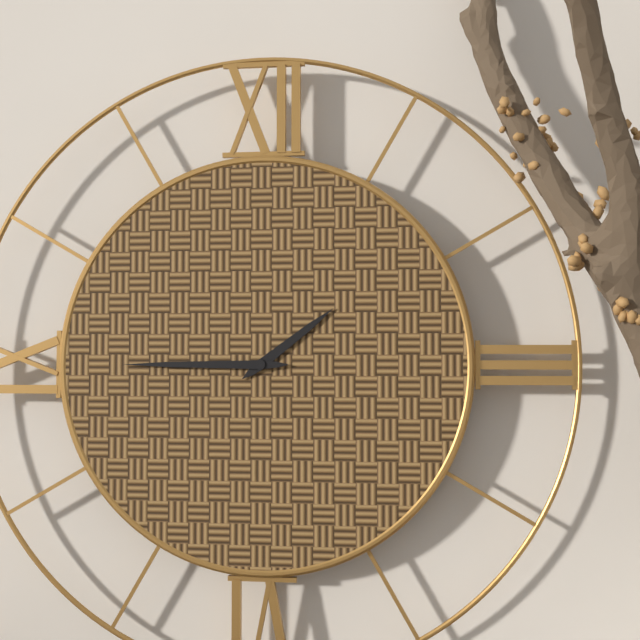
{"hour": 1, "minute": 45}
